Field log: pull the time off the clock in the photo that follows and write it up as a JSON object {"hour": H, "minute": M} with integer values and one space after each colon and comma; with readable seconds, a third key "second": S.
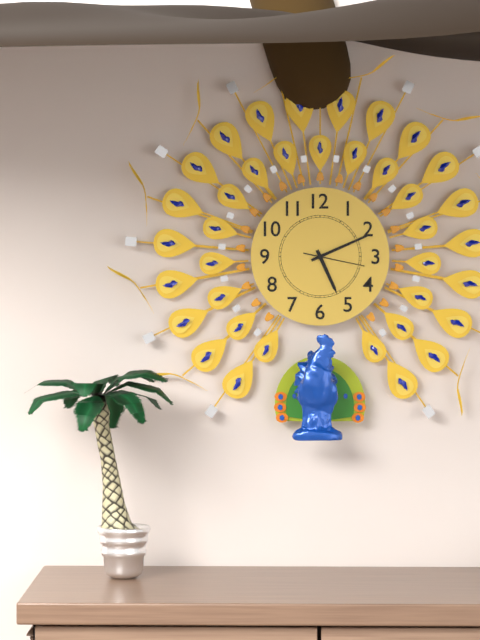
{"hour": 5, "minute": 11, "second": 17}
